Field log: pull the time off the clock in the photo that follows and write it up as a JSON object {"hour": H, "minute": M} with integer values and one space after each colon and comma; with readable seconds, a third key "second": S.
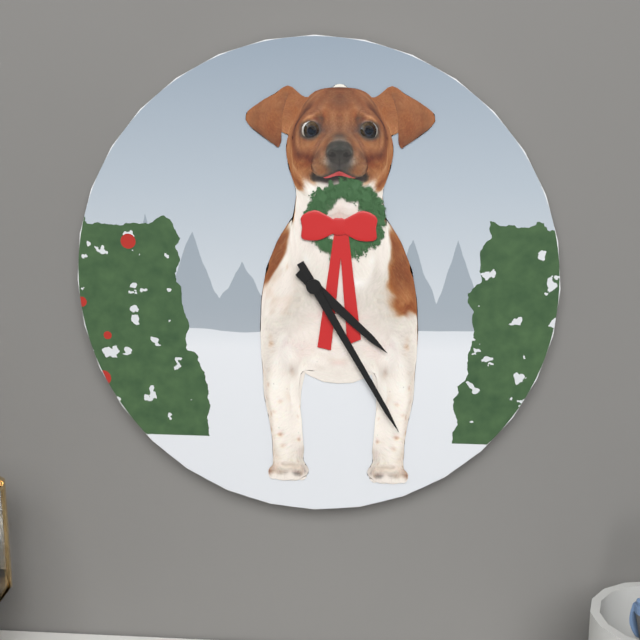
{"hour": 4, "minute": 25}
